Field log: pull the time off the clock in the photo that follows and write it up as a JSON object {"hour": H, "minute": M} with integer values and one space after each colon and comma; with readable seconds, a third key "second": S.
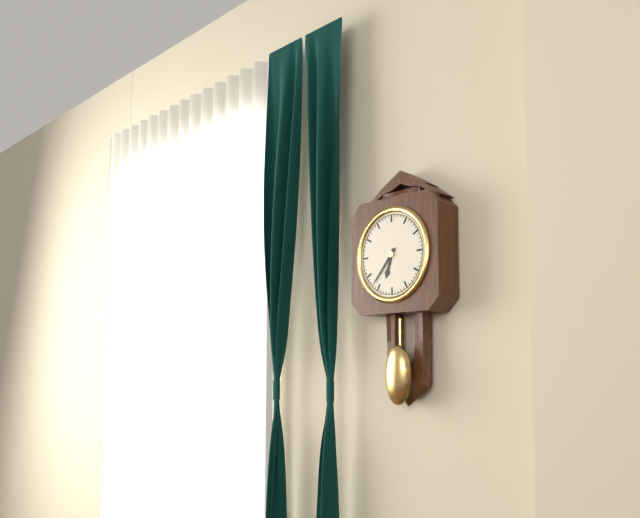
{"hour": 6, "minute": 37}
